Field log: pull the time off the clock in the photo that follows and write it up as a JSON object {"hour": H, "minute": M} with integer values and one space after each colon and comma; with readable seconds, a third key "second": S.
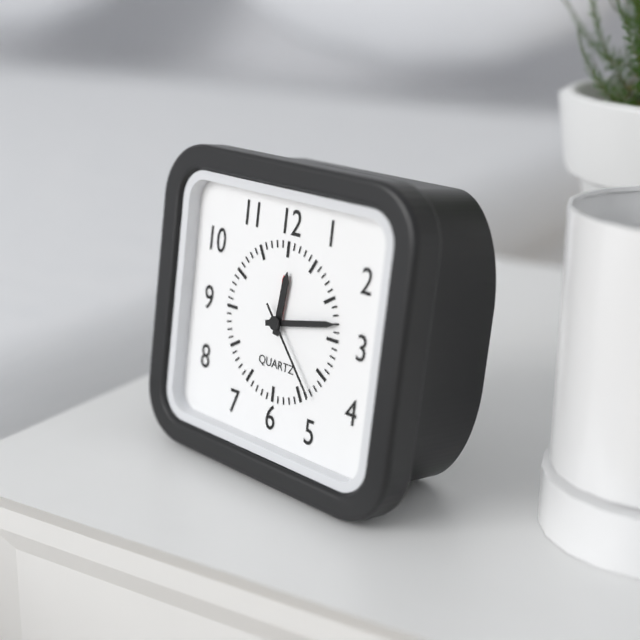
{"hour": 12, "minute": 13, "second": 23}
